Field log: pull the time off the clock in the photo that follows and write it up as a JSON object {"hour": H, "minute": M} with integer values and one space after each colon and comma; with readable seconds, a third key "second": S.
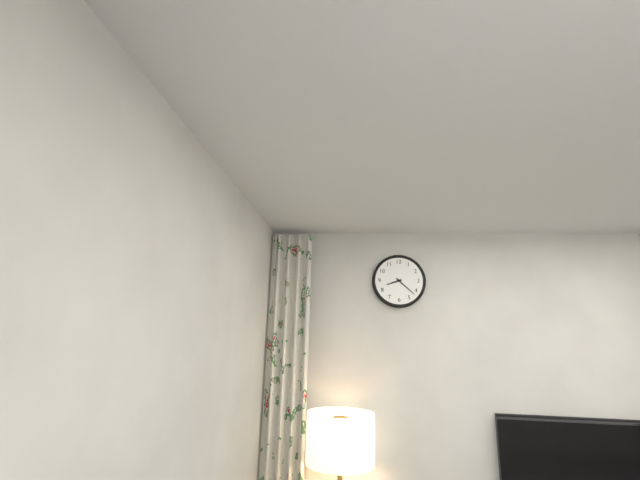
{"hour": 8, "minute": 22}
